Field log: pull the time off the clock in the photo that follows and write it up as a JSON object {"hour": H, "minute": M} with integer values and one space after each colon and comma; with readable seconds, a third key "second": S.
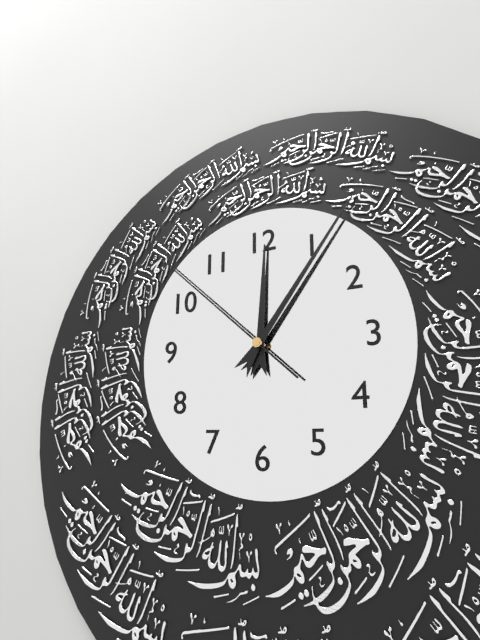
{"hour": 12, "minute": 6, "second": 52}
